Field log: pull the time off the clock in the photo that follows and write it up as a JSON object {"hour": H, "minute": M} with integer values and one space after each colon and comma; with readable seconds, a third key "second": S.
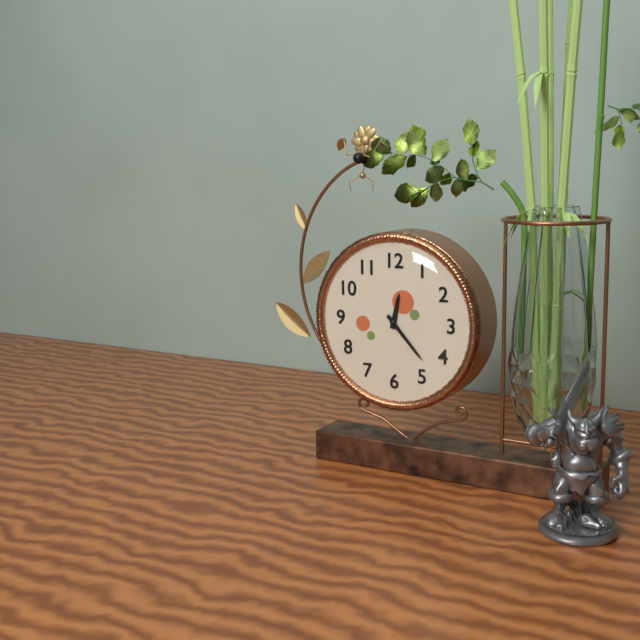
{"hour": 12, "minute": 23}
